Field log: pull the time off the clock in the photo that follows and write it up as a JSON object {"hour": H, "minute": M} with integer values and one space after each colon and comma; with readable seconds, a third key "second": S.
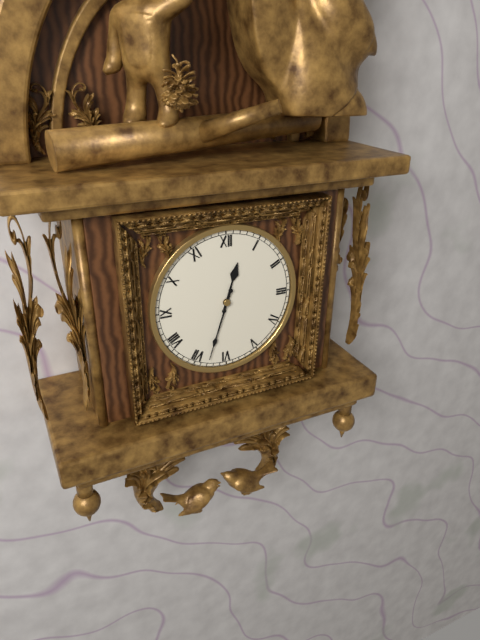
{"hour": 12, "minute": 33}
